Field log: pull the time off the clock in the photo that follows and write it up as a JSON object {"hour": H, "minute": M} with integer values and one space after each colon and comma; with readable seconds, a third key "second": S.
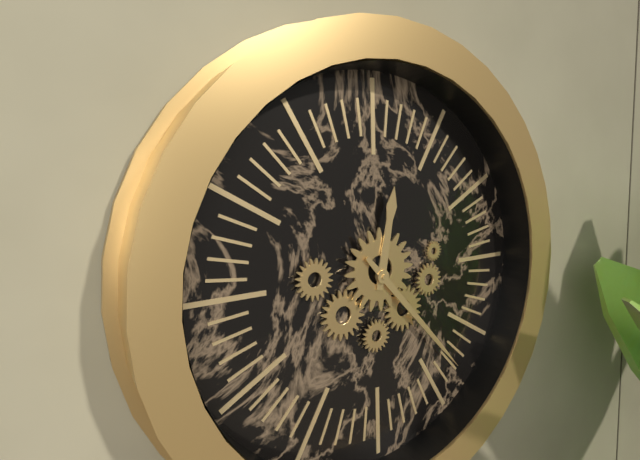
{"hour": 12, "minute": 23}
